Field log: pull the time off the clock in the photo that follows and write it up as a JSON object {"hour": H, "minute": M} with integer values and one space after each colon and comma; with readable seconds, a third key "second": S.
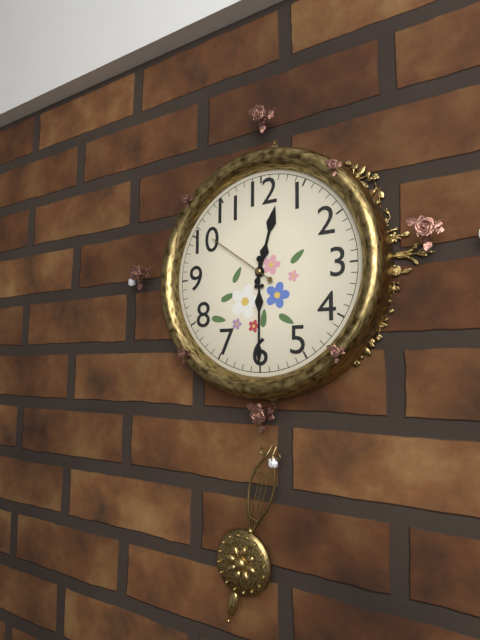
{"hour": 12, "minute": 30, "second": 51}
